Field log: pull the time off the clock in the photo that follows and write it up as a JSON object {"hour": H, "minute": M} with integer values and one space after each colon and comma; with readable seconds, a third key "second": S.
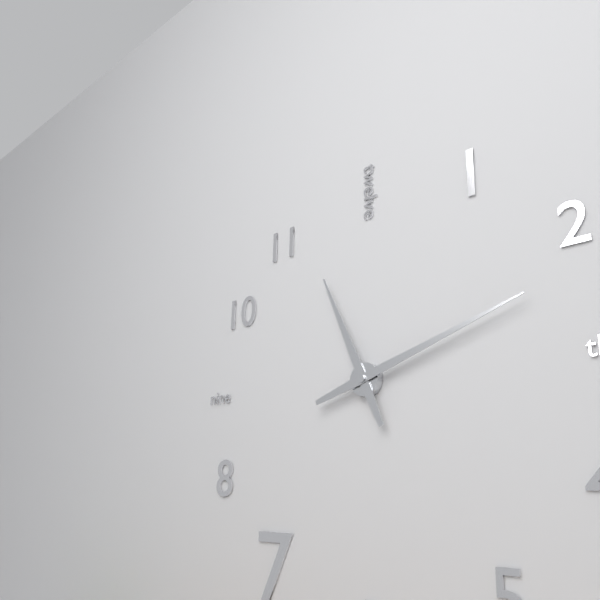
{"hour": 11, "minute": 12}
